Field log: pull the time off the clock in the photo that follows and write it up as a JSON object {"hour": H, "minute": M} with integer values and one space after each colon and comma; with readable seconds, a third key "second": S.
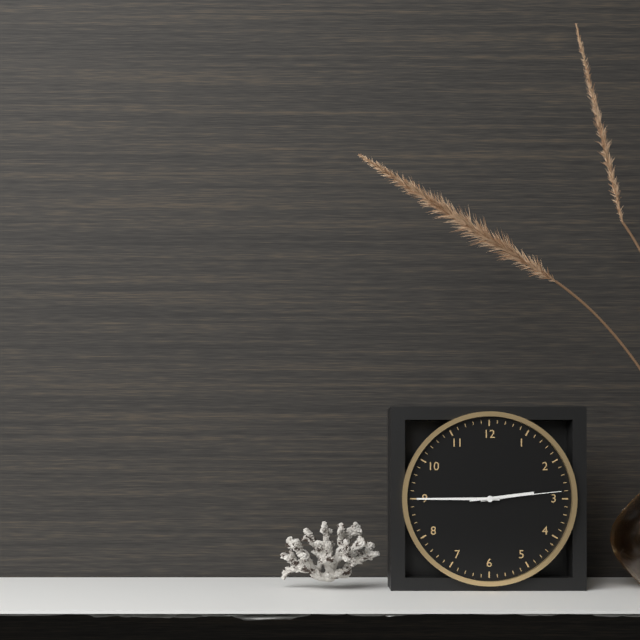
{"hour": 2, "minute": 45, "second": 14}
